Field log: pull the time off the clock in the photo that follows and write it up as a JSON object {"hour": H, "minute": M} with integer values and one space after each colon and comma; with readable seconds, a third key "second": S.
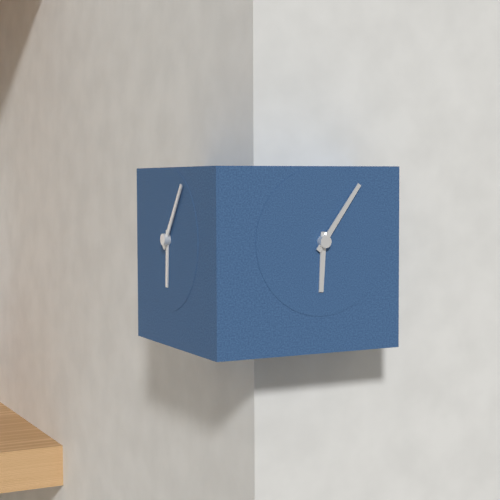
{"hour": 6, "minute": 6}
